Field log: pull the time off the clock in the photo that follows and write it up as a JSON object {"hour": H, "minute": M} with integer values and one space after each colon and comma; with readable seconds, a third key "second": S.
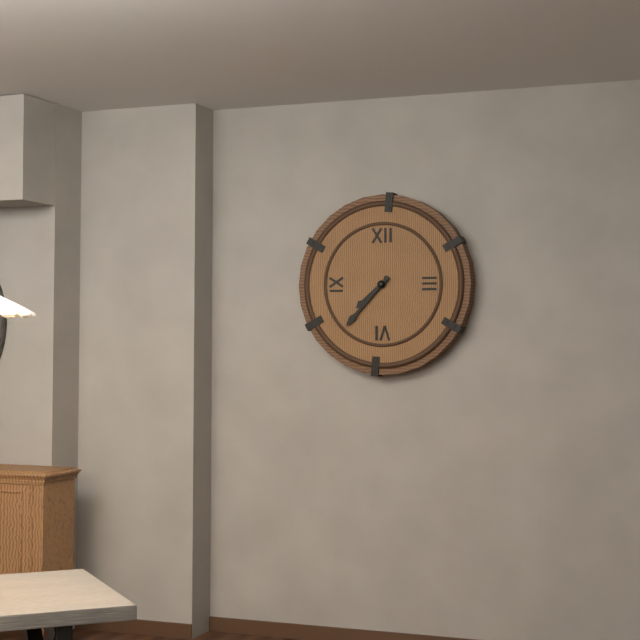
{"hour": 7, "minute": 37}
